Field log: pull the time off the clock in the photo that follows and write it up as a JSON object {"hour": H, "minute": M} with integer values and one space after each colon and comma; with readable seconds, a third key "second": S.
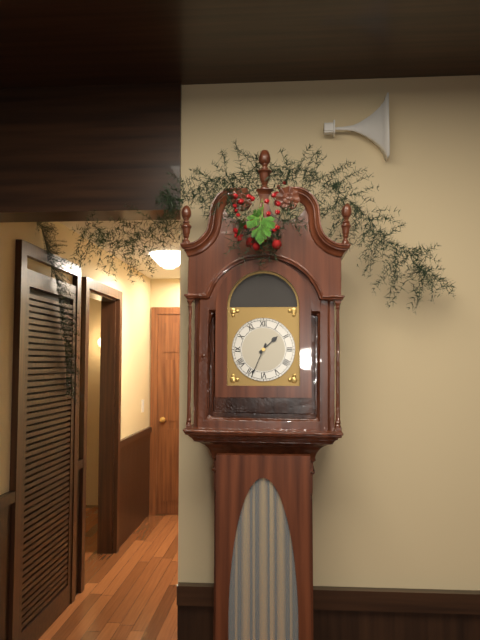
{"hour": 1, "minute": 34}
